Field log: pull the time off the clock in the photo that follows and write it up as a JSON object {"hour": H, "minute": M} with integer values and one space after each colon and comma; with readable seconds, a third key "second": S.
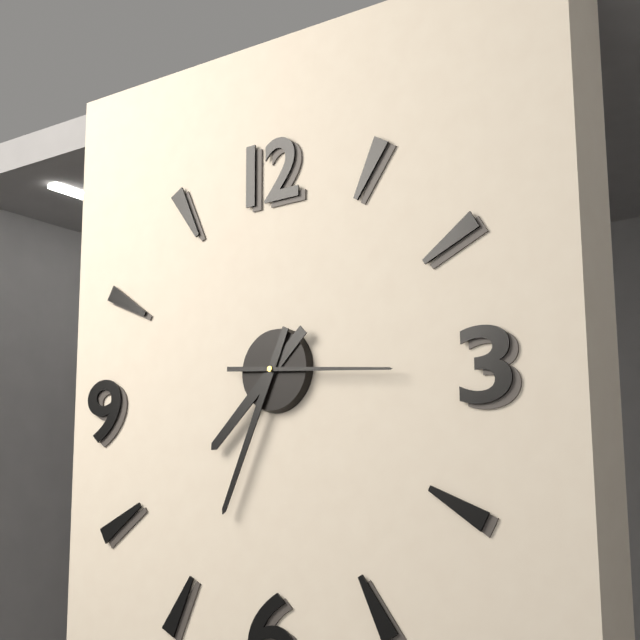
{"hour": 7, "minute": 34, "second": 16}
